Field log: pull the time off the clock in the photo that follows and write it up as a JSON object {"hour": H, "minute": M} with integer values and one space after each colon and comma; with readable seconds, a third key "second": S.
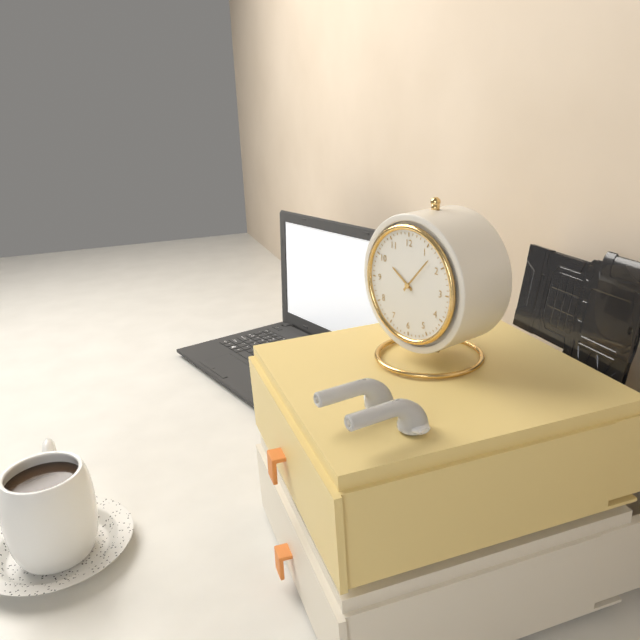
{"hour": 10, "minute": 7}
